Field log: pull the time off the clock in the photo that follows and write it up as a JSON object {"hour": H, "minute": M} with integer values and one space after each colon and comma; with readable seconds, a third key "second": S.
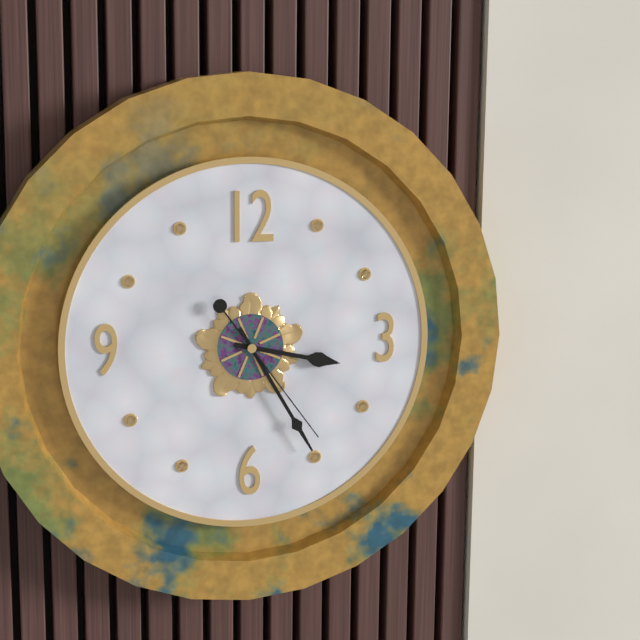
{"hour": 3, "minute": 25, "second": 24}
